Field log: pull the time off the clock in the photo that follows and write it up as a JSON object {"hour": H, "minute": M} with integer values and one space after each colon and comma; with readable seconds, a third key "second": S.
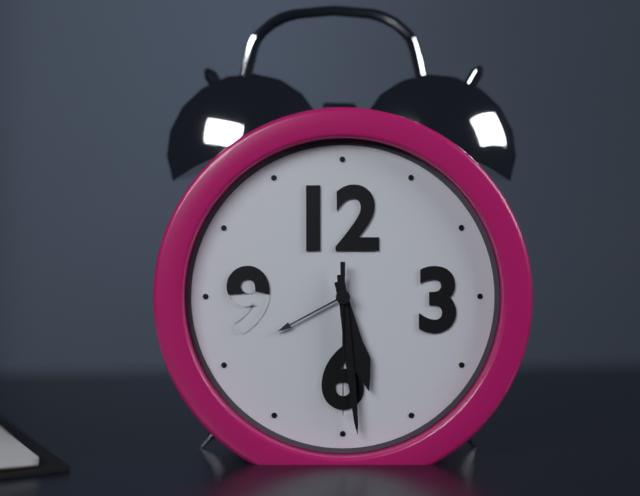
{"hour": 5, "minute": 29, "second": 30}
